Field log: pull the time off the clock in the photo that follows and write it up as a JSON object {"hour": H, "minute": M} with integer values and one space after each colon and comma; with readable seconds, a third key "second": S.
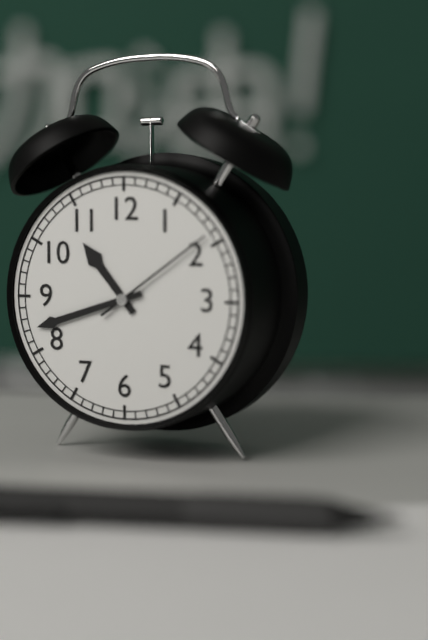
{"hour": 10, "minute": 42, "second": 9}
